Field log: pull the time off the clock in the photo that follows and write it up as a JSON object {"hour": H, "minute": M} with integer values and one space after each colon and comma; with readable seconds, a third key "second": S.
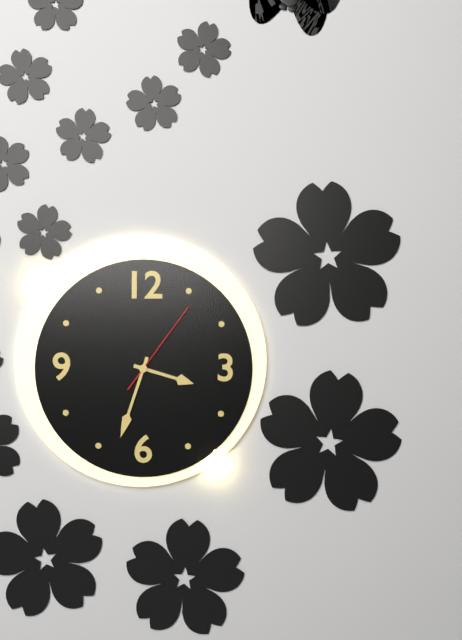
{"hour": 3, "minute": 33, "second": 6}
